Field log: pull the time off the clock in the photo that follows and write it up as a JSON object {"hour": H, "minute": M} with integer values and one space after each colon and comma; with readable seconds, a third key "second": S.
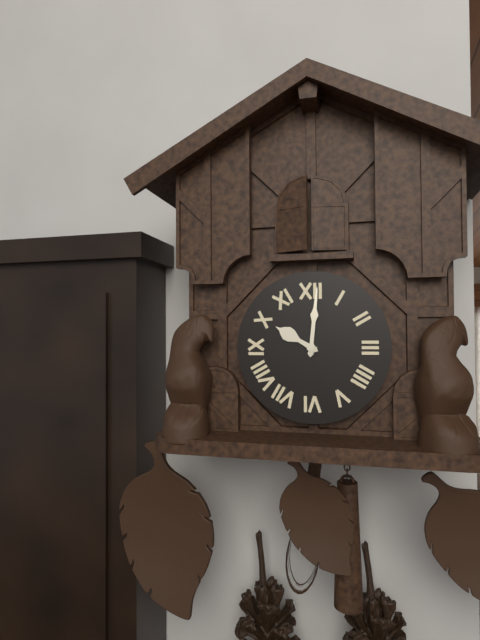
{"hour": 10, "minute": 1}
